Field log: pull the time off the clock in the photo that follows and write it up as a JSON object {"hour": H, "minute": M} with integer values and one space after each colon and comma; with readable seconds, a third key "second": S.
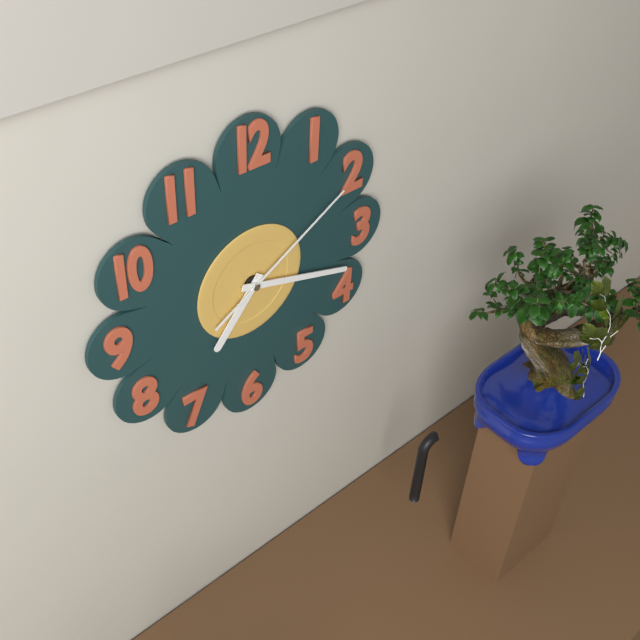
{"hour": 7, "minute": 18, "second": 10}
